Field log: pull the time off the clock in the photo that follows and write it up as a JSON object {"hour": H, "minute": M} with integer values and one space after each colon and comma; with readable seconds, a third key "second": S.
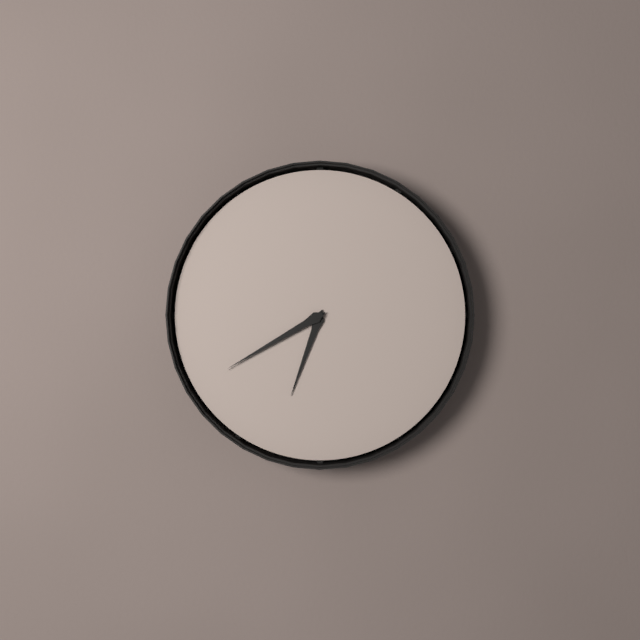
{"hour": 6, "minute": 40}
